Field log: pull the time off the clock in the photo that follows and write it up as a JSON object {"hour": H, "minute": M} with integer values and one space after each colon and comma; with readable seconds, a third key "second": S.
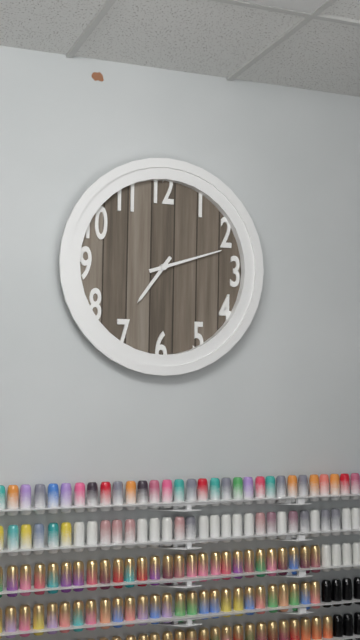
{"hour": 7, "minute": 12}
